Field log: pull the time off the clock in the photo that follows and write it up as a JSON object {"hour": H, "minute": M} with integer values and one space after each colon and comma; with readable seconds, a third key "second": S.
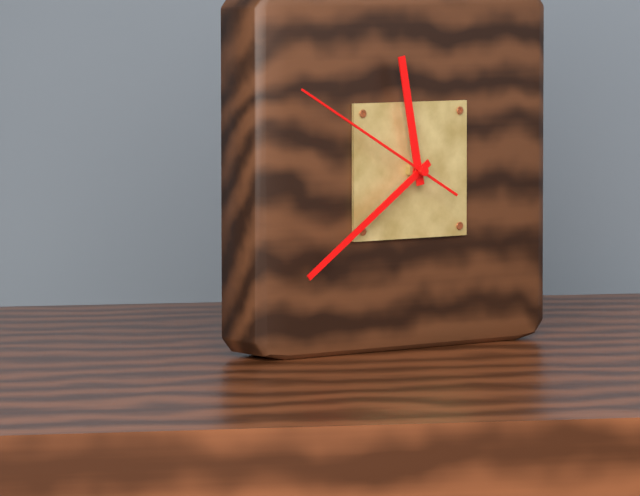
{"hour": 11, "minute": 39, "second": 50}
